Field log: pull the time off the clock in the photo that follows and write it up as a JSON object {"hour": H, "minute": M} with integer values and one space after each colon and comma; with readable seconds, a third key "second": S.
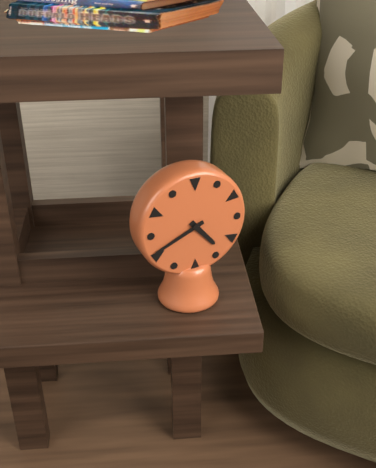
{"hour": 4, "minute": 41}
